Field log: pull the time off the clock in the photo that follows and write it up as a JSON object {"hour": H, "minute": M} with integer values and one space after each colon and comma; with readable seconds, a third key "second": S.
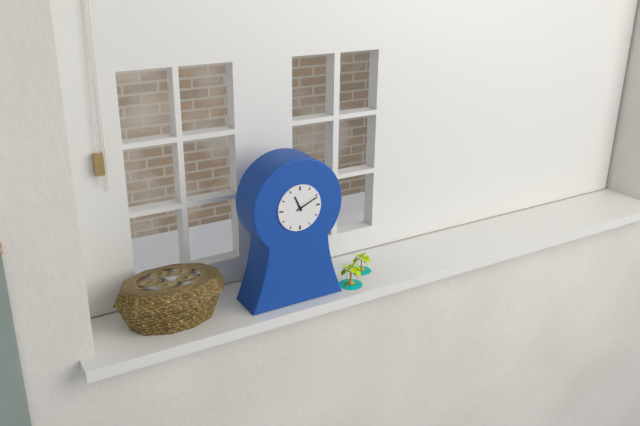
{"hour": 11, "minute": 11}
